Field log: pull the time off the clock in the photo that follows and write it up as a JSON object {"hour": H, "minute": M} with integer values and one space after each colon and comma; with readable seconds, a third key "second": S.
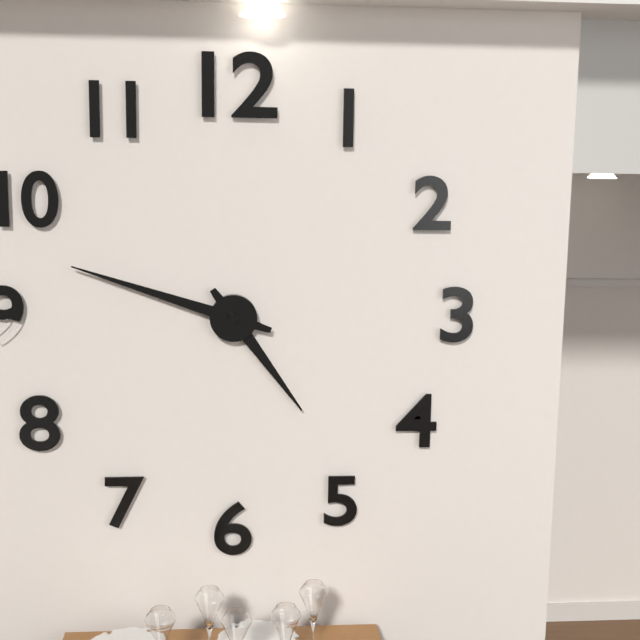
{"hour": 4, "minute": 48}
